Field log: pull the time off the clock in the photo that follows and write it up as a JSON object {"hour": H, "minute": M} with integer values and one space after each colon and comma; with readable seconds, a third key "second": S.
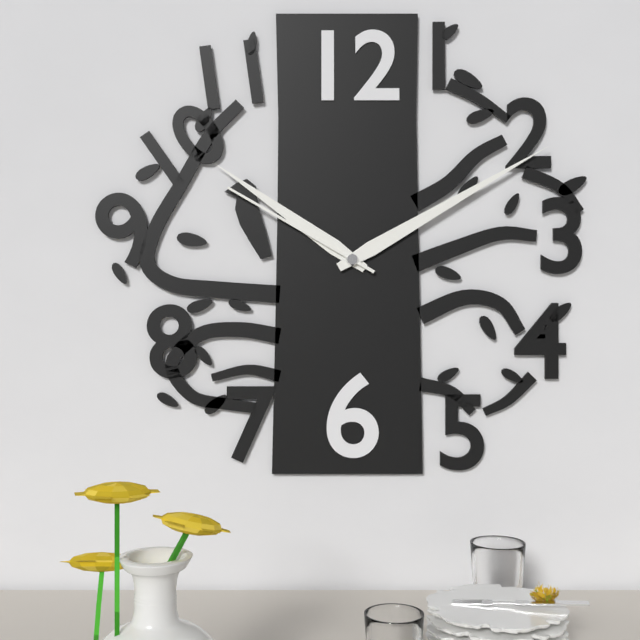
{"hour": 10, "minute": 10, "second": 50}
